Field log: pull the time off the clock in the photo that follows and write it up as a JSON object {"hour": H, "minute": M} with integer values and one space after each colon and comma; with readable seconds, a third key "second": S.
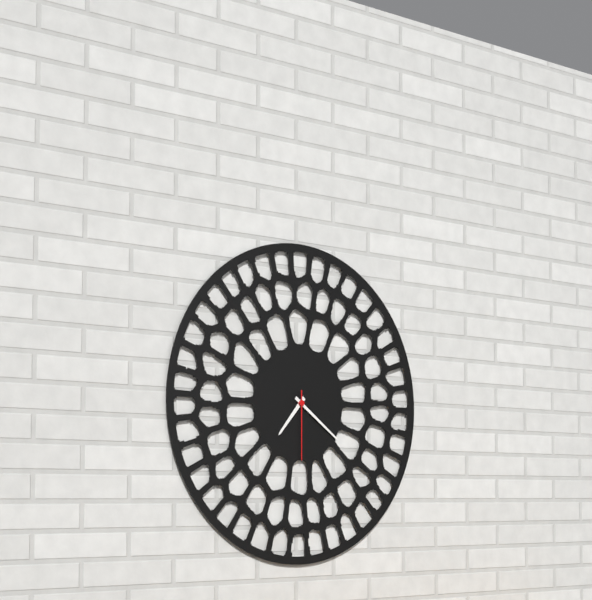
{"hour": 7, "minute": 21, "second": 30}
